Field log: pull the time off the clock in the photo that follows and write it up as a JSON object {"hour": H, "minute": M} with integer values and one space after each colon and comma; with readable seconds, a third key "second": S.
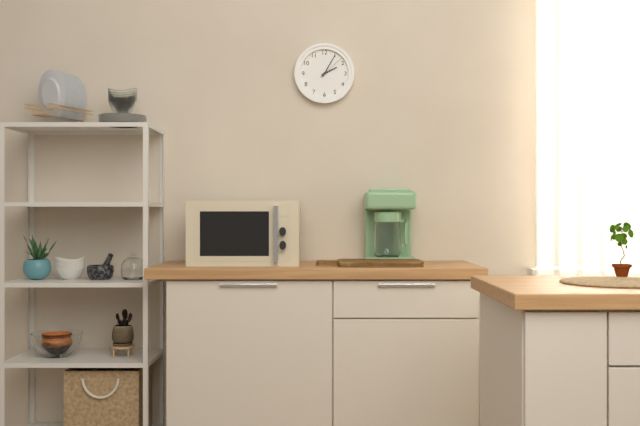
{"hour": 2, "minute": 5}
